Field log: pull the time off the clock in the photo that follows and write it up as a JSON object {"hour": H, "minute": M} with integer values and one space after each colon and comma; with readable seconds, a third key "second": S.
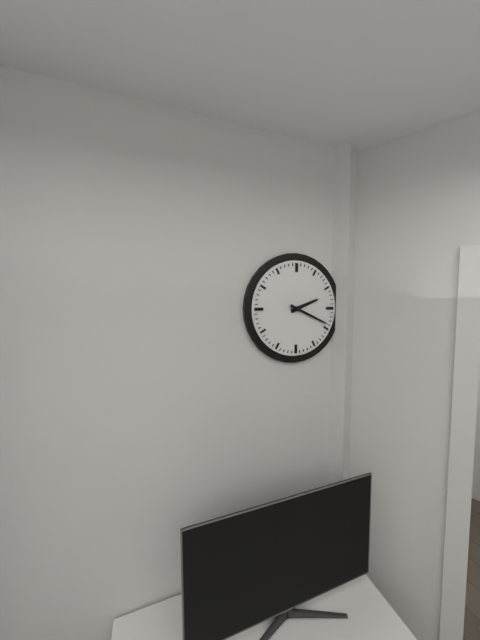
{"hour": 2, "minute": 19}
